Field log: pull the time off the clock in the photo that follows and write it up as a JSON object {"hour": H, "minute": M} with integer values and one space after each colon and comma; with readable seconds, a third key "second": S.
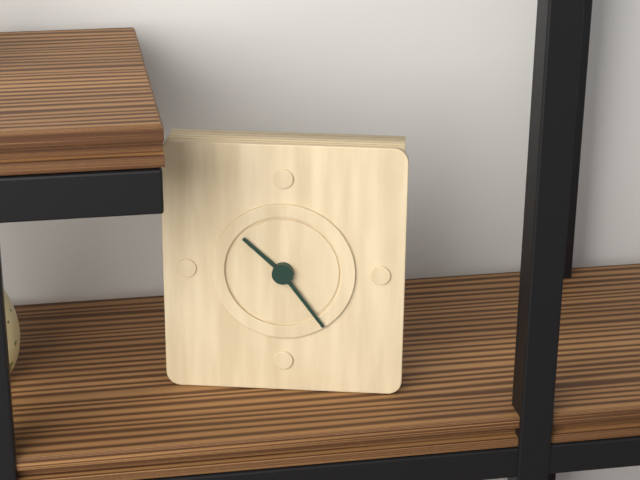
{"hour": 10, "minute": 24}
